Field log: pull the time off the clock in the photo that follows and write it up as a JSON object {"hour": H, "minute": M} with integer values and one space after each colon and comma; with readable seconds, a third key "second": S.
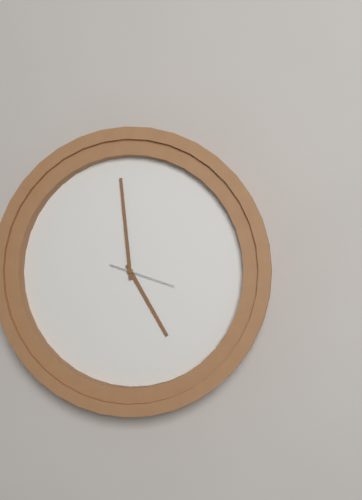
{"hour": 4, "minute": 59, "second": 18}
